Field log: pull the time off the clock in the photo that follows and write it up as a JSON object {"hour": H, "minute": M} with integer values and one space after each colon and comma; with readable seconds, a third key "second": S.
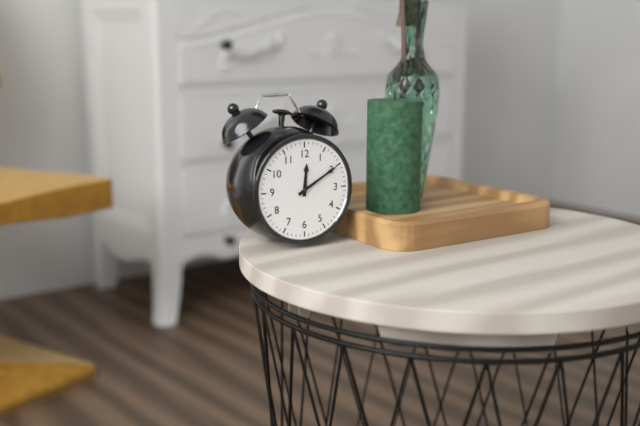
{"hour": 12, "minute": 10}
